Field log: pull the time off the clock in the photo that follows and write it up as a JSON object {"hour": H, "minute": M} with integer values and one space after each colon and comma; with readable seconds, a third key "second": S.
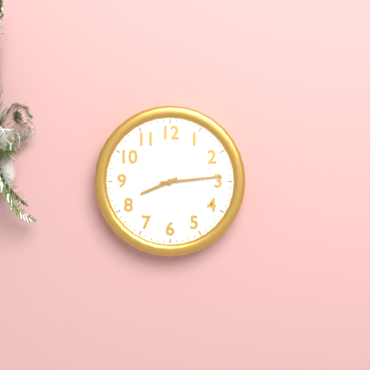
{"hour": 8, "minute": 14}
